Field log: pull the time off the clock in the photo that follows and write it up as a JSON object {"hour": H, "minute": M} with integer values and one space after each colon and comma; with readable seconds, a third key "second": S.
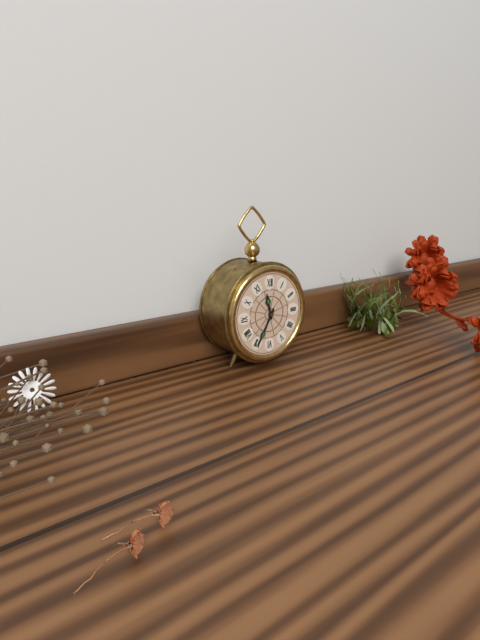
{"hour": 11, "minute": 35}
